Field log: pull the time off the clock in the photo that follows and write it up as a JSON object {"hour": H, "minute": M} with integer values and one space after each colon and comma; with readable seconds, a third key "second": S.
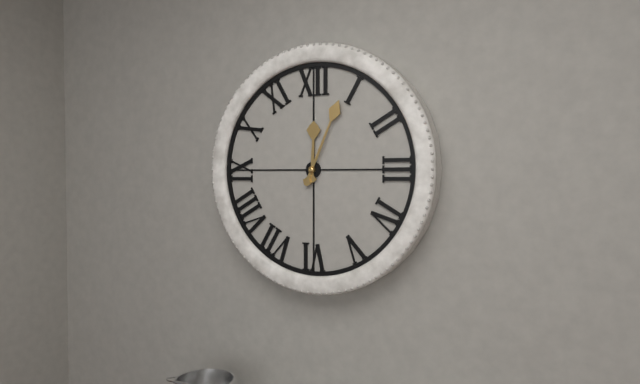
{"hour": 12, "minute": 4}
